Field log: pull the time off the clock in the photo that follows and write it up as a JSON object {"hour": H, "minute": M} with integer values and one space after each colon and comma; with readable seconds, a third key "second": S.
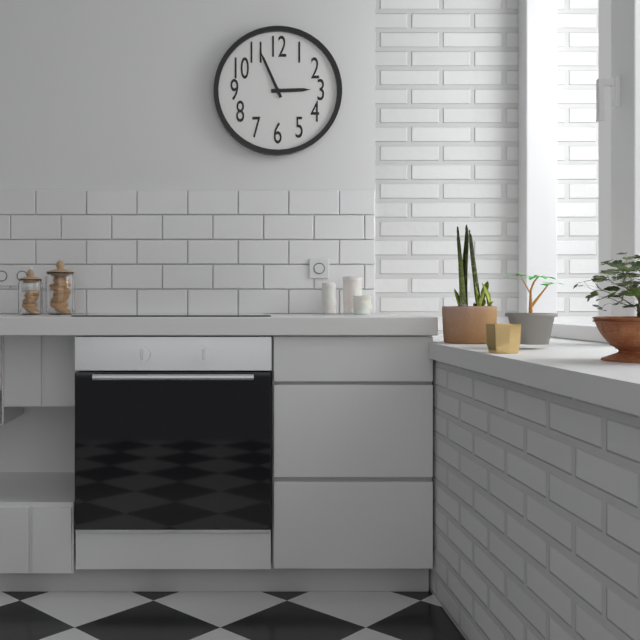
{"hour": 2, "minute": 56}
